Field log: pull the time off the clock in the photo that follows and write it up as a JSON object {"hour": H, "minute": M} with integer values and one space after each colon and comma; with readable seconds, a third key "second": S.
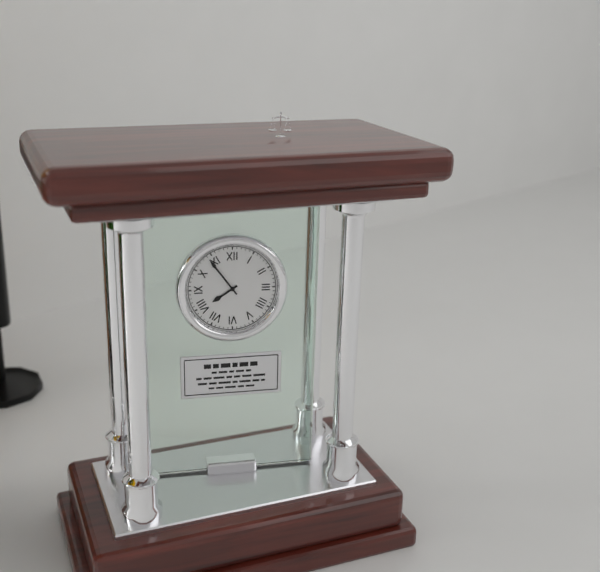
{"hour": 7, "minute": 54}
